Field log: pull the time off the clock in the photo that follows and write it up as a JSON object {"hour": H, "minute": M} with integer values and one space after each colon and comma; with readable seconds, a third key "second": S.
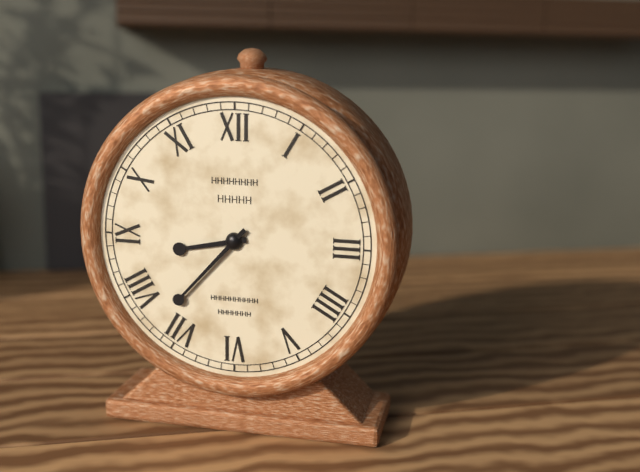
{"hour": 8, "minute": 37}
